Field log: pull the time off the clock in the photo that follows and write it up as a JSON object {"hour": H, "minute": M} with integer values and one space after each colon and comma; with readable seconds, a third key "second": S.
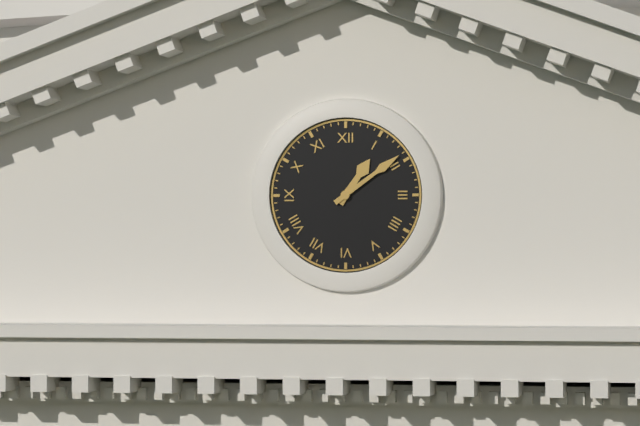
{"hour": 1, "minute": 9}
